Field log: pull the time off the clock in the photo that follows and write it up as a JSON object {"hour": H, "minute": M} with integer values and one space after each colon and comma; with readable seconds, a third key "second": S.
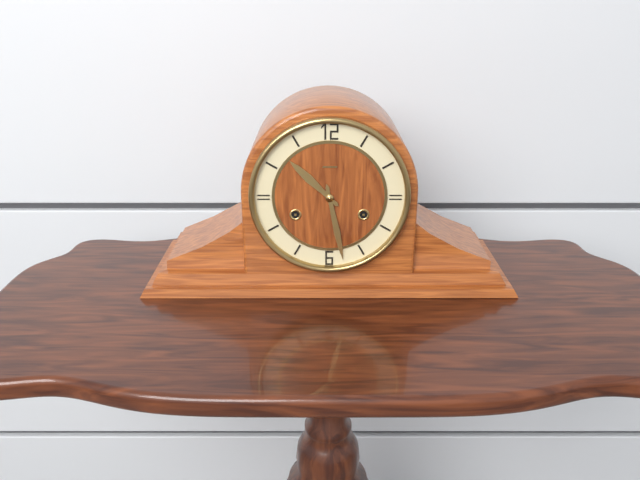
{"hour": 10, "minute": 28}
